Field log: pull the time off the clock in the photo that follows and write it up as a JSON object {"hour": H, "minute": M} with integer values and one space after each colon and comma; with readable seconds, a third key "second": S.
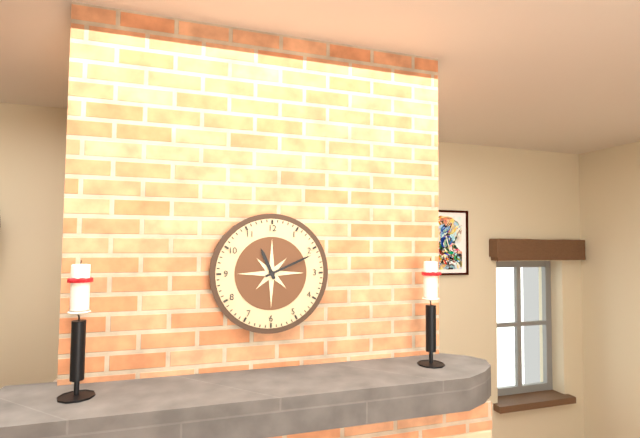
{"hour": 11, "minute": 11}
